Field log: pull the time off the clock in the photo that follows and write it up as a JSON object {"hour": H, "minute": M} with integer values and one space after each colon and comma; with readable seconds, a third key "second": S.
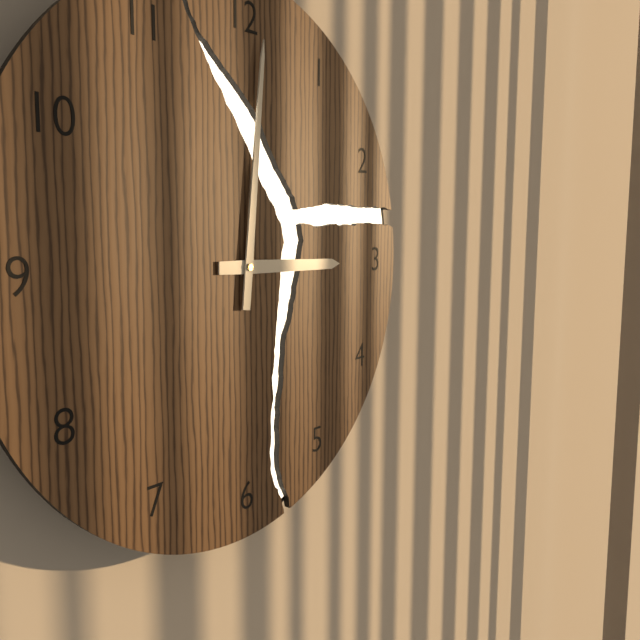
{"hour": 3, "minute": 1}
